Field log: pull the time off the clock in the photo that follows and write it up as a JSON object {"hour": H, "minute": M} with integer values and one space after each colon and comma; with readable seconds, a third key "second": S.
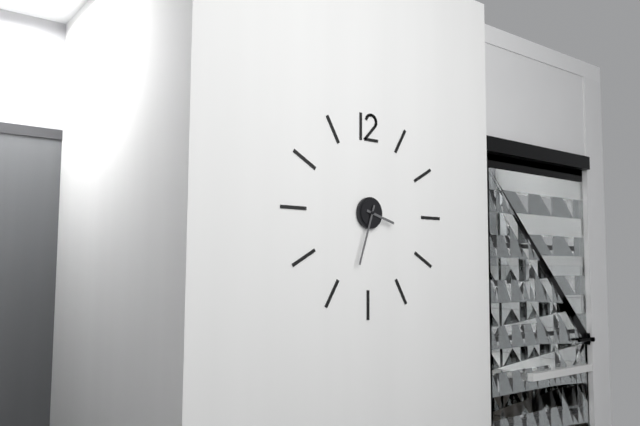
{"hour": 3, "minute": 33}
